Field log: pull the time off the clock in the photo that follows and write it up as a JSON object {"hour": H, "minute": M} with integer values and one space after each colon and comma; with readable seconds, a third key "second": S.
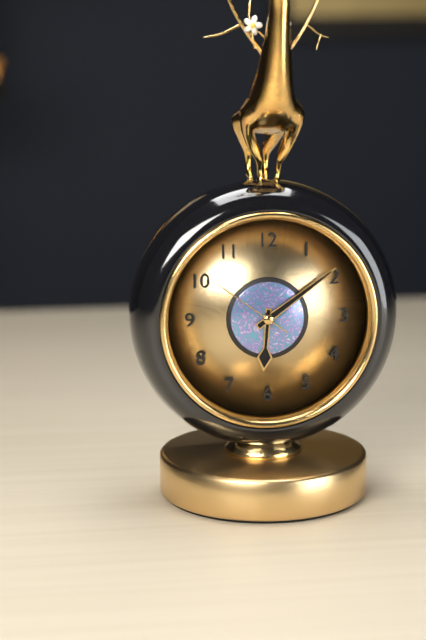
{"hour": 6, "minute": 9, "second": 51}
